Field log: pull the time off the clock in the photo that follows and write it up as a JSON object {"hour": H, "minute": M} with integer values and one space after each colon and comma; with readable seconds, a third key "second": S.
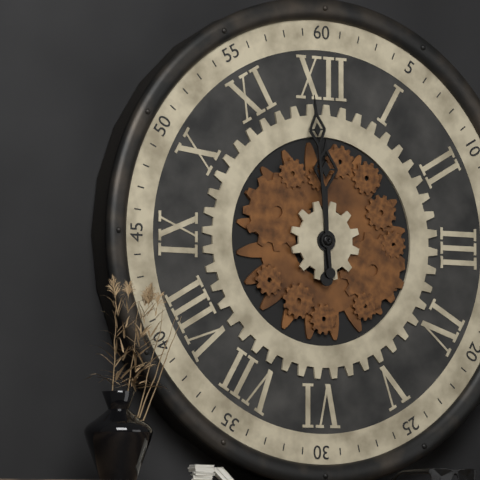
{"hour": 11, "minute": 59}
